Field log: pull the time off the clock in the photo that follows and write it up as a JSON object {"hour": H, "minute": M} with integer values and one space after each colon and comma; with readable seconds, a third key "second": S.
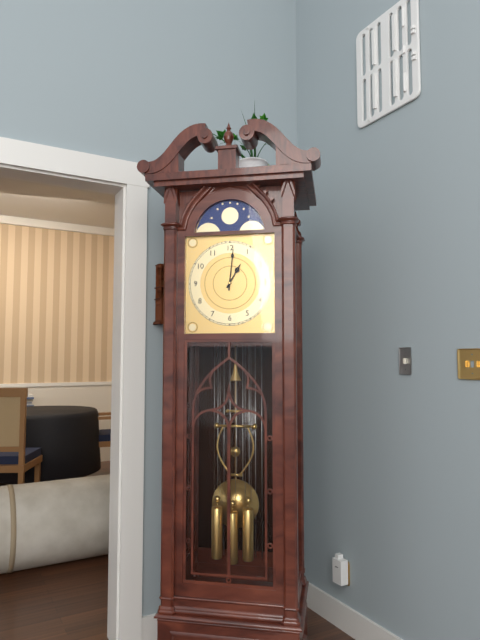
{"hour": 1, "minute": 1}
